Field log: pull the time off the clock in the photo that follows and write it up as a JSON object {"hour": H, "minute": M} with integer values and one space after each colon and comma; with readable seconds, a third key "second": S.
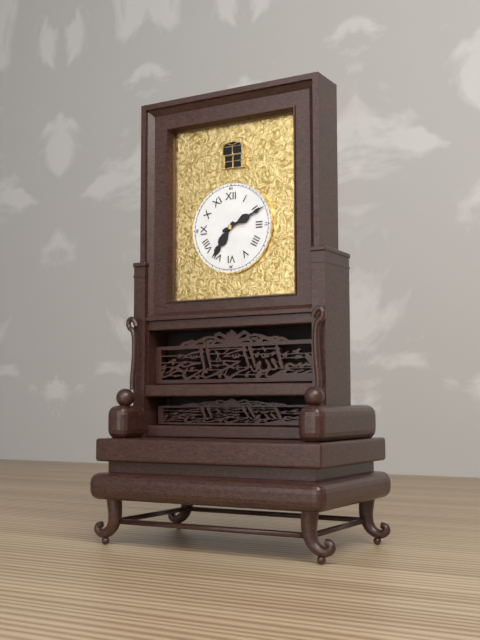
{"hour": 7, "minute": 11}
